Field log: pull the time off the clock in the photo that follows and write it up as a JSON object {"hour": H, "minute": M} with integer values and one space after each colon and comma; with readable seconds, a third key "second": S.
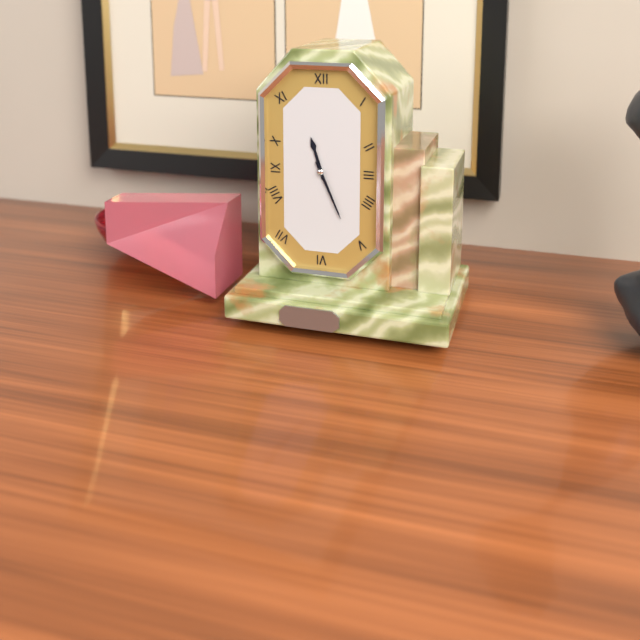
{"hour": 11, "minute": 26}
